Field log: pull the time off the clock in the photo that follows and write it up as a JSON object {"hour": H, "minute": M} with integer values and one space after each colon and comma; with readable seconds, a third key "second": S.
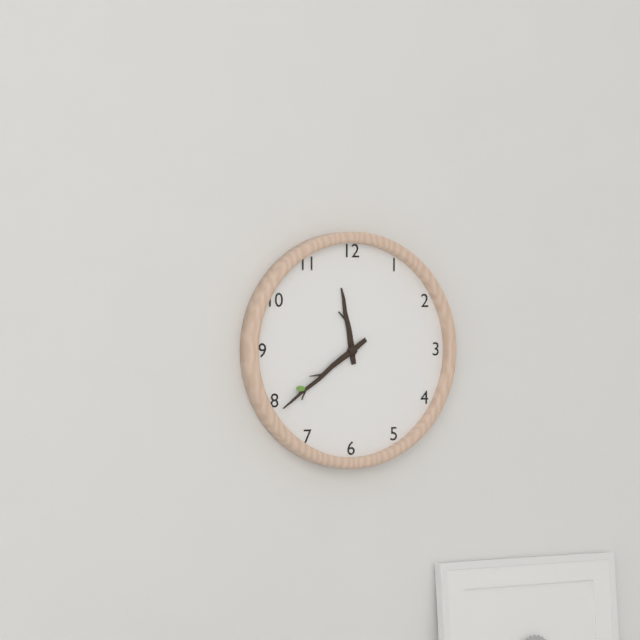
{"hour": 11, "minute": 39}
